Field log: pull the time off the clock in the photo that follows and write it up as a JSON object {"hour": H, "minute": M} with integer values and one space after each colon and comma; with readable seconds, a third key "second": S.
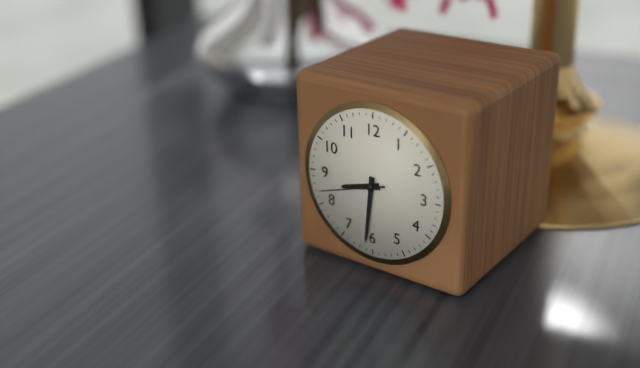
{"hour": 8, "minute": 31, "second": 42}
